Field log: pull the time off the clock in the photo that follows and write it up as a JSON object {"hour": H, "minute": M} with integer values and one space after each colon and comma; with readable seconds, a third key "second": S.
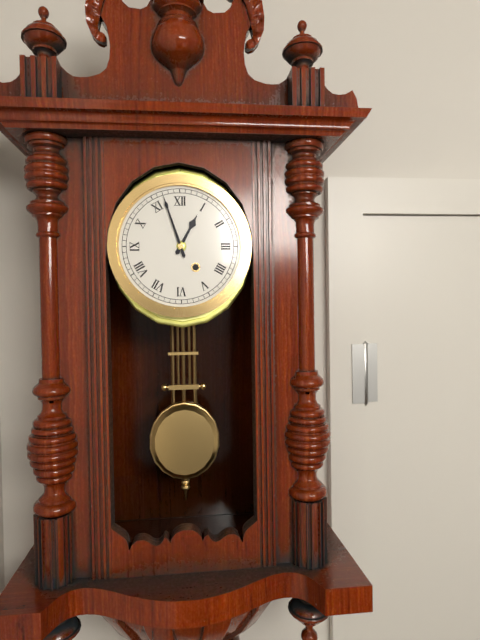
{"hour": 12, "minute": 57}
